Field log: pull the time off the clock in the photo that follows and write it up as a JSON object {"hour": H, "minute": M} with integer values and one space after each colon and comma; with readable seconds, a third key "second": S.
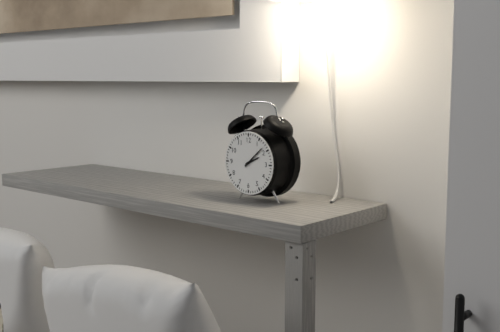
{"hour": 2, "minute": 8}
